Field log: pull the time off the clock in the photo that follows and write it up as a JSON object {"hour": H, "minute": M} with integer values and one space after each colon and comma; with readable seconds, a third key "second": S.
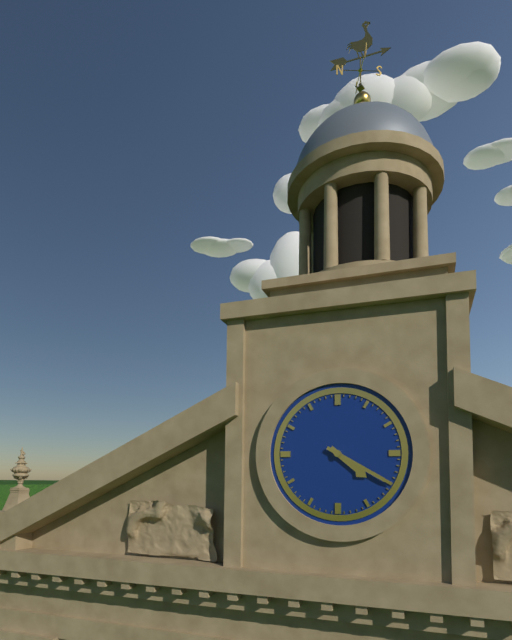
{"hour": 4, "minute": 20}
